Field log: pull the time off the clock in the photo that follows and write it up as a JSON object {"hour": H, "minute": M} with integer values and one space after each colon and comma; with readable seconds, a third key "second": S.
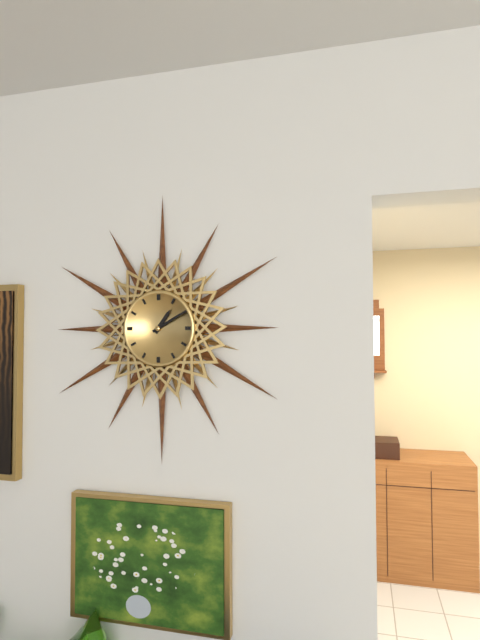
{"hour": 1, "minute": 10}
